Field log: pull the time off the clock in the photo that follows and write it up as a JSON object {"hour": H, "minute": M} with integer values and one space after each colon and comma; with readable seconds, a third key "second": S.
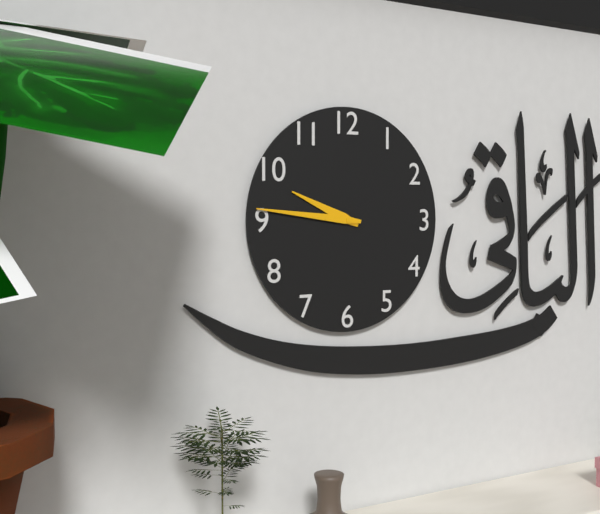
{"hour": 9, "minute": 46}
